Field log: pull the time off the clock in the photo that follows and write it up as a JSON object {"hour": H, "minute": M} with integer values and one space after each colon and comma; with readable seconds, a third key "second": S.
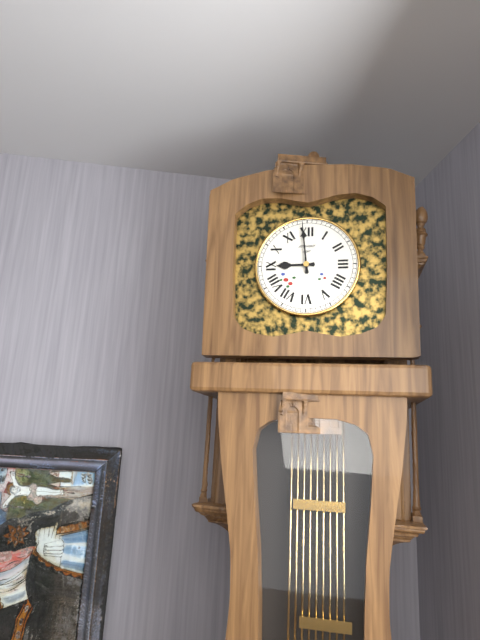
{"hour": 8, "minute": 59}
